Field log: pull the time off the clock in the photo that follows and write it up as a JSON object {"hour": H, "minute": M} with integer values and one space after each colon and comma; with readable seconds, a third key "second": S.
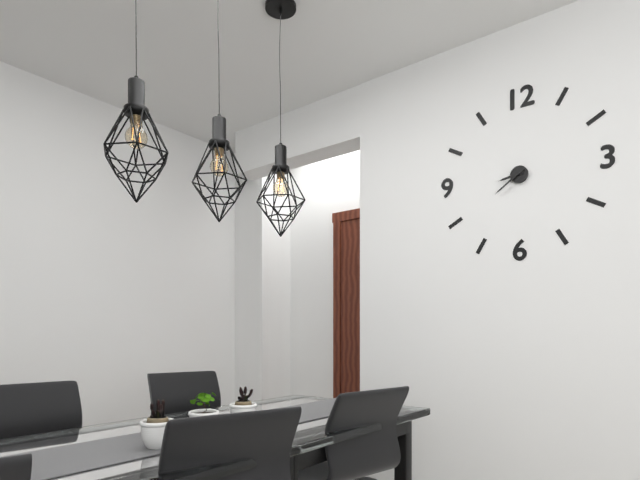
{"hour": 8, "minute": 39}
